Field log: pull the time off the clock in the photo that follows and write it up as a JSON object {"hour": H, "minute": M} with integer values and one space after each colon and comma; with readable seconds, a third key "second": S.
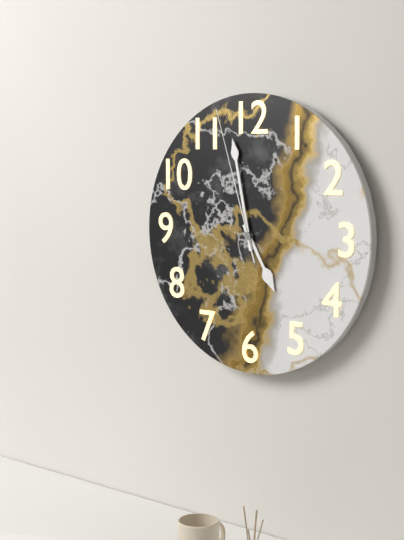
{"hour": 4, "minute": 58, "second": 57}
